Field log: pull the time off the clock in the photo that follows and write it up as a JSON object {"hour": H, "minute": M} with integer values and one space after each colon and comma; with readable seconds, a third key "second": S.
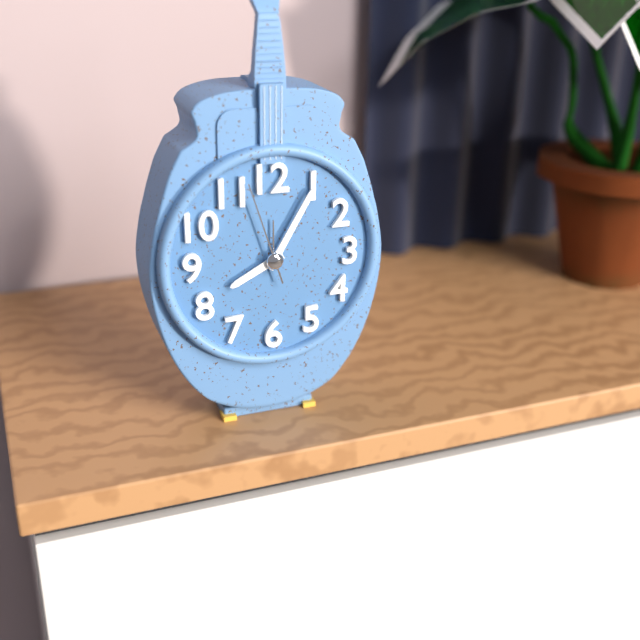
{"hour": 8, "minute": 5, "second": 57}
